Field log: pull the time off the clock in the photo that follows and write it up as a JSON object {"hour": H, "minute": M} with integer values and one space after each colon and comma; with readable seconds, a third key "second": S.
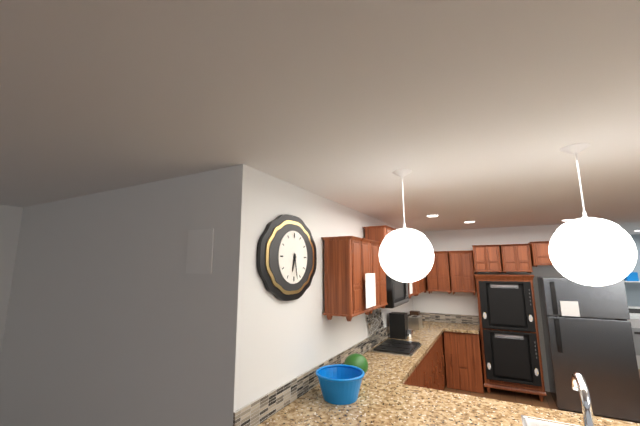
{"hour": 6, "minute": 28}
